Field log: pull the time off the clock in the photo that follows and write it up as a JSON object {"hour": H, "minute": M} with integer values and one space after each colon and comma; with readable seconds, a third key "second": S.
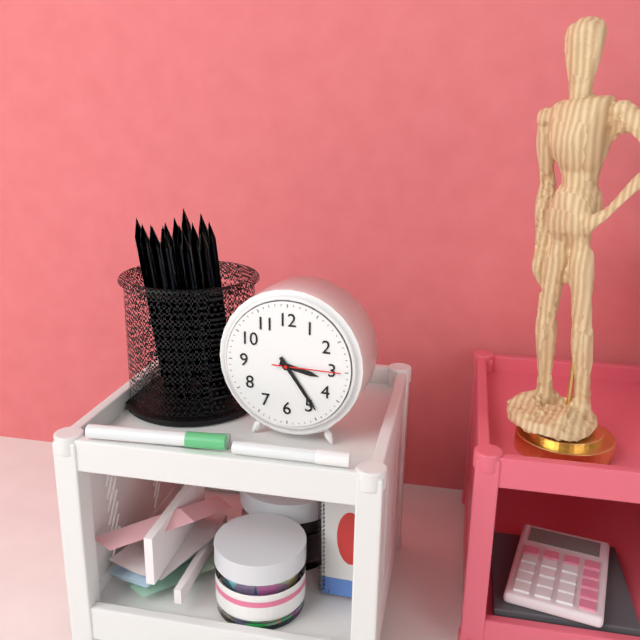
{"hour": 3, "minute": 24, "second": 15}
